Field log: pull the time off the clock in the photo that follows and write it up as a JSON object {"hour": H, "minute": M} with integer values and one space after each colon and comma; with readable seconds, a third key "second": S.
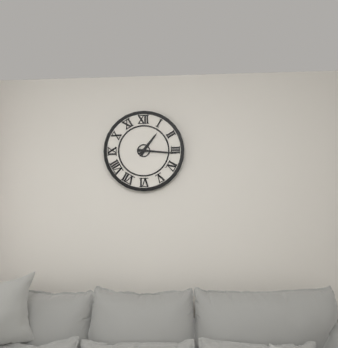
{"hour": 1, "minute": 16}
